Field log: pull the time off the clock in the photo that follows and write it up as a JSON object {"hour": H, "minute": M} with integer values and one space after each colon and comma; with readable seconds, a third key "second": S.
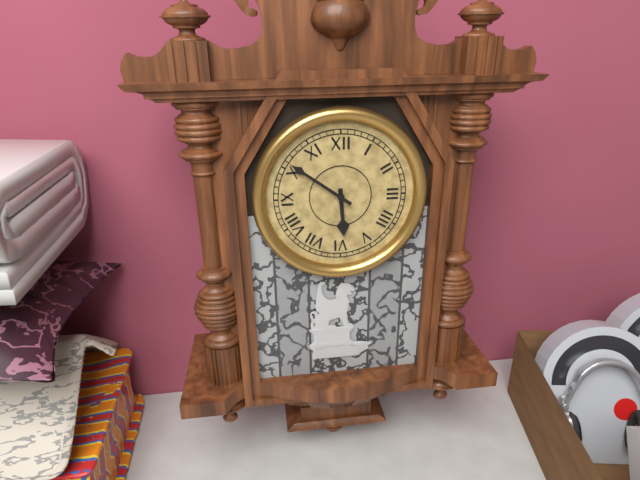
{"hour": 5, "minute": 51}
